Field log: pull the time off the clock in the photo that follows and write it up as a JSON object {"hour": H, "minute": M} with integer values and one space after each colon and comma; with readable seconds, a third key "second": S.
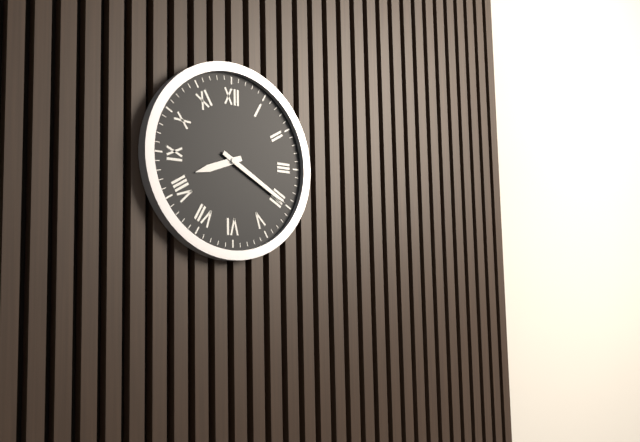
{"hour": 8, "minute": 20}
